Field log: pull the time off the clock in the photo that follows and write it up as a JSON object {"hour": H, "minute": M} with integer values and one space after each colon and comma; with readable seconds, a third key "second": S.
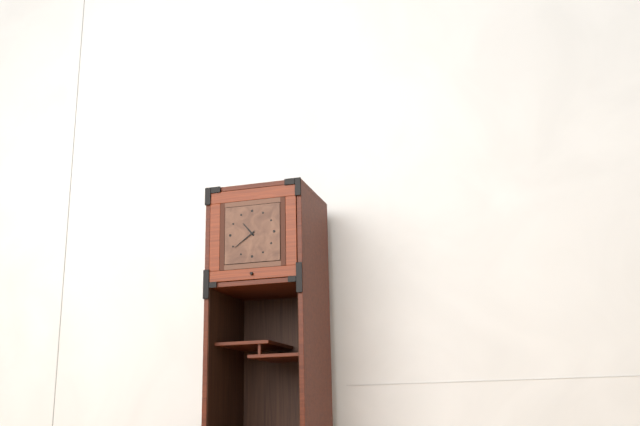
{"hour": 10, "minute": 39}
